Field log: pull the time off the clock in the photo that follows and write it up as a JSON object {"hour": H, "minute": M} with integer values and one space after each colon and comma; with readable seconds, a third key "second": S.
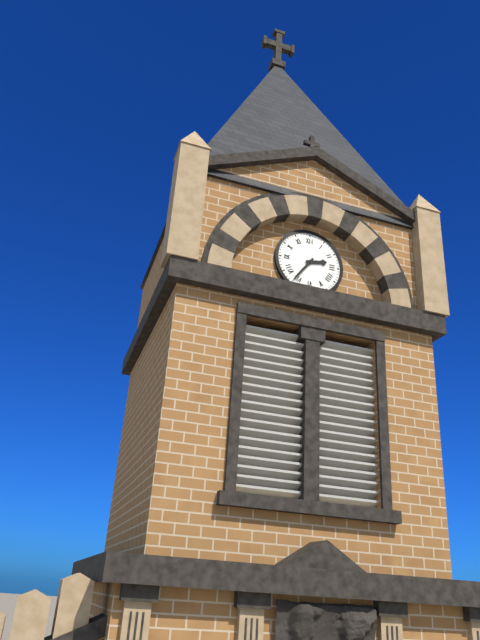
{"hour": 2, "minute": 36}
